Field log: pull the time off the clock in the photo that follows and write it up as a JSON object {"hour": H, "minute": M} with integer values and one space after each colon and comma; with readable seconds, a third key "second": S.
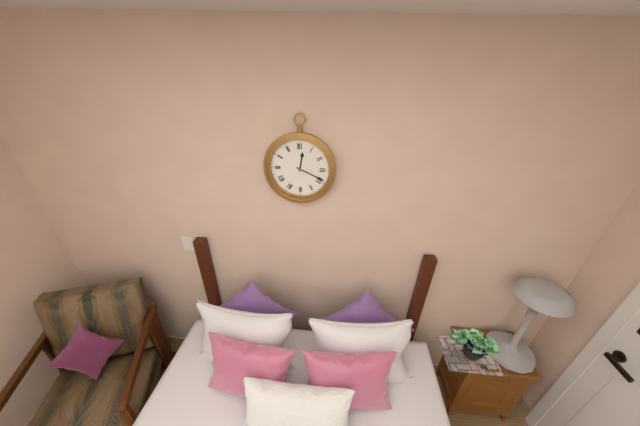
{"hour": 12, "minute": 19}
